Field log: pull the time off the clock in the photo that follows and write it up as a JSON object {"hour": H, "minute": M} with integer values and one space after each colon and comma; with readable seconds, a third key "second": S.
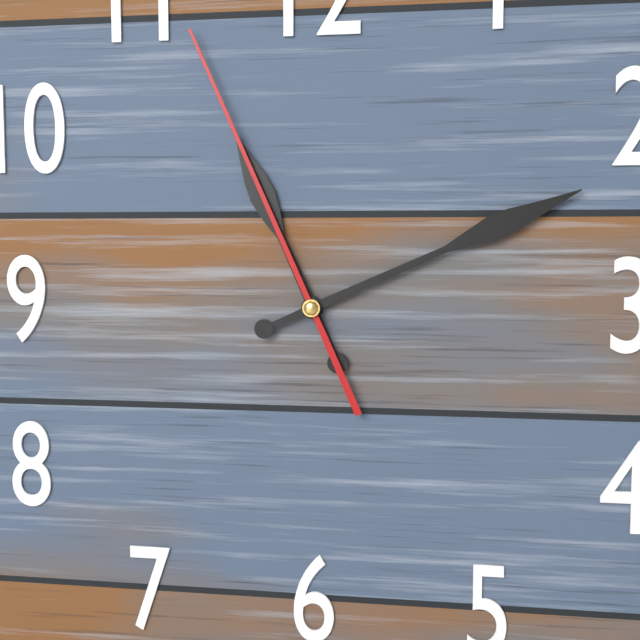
{"hour": 11, "minute": 11, "second": 56}
